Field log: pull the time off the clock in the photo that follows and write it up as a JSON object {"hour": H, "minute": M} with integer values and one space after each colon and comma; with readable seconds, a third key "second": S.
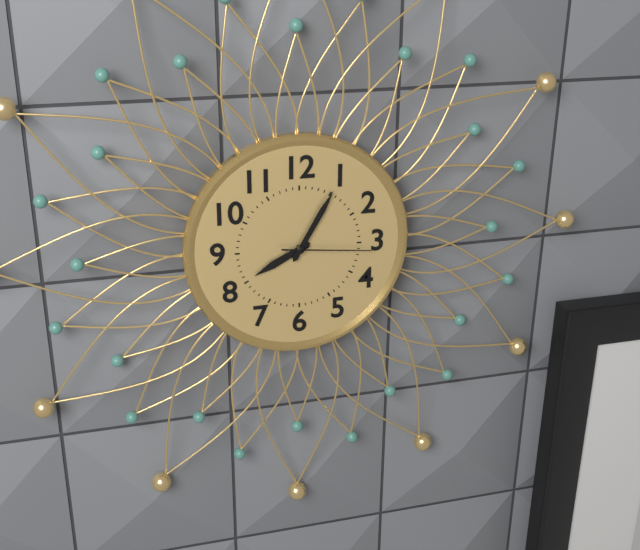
{"hour": 8, "minute": 5, "second": 16}
